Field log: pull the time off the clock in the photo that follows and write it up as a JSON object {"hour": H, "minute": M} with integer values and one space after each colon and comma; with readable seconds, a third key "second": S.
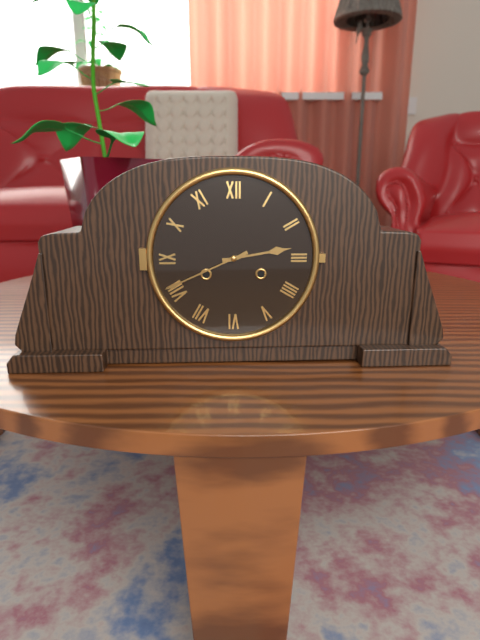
{"hour": 2, "minute": 41}
